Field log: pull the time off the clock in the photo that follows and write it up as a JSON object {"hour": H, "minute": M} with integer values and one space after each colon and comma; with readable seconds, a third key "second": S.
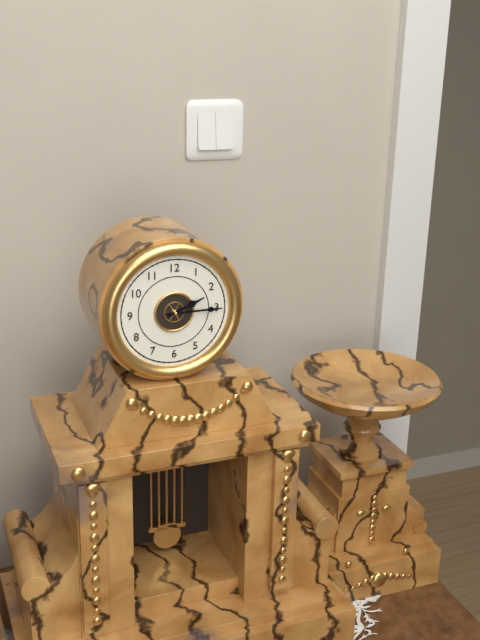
{"hour": 2, "minute": 15}
